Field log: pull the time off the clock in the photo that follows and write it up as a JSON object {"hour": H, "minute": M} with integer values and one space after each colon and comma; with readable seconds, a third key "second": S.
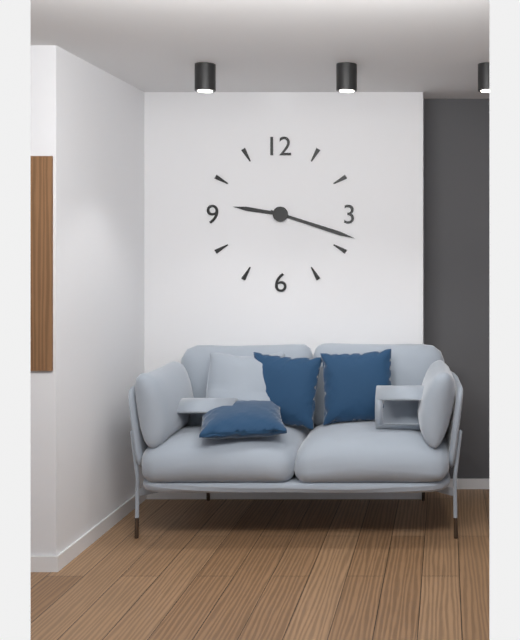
{"hour": 9, "minute": 18}
